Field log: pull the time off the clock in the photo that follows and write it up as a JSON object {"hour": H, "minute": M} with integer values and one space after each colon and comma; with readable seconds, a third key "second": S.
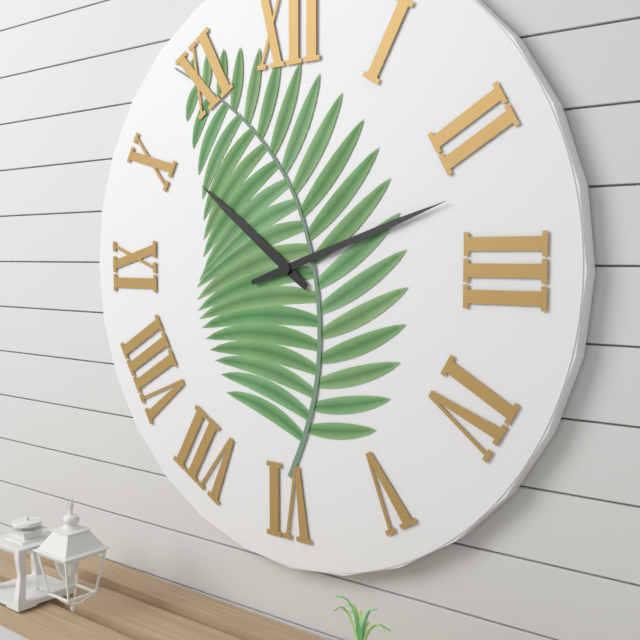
{"hour": 10, "minute": 12}
